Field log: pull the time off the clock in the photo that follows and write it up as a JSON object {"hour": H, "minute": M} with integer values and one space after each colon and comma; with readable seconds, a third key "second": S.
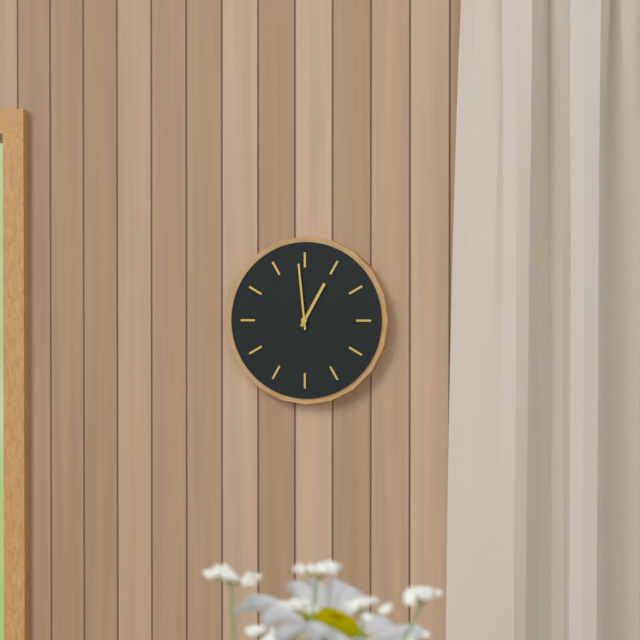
{"hour": 12, "minute": 59}
